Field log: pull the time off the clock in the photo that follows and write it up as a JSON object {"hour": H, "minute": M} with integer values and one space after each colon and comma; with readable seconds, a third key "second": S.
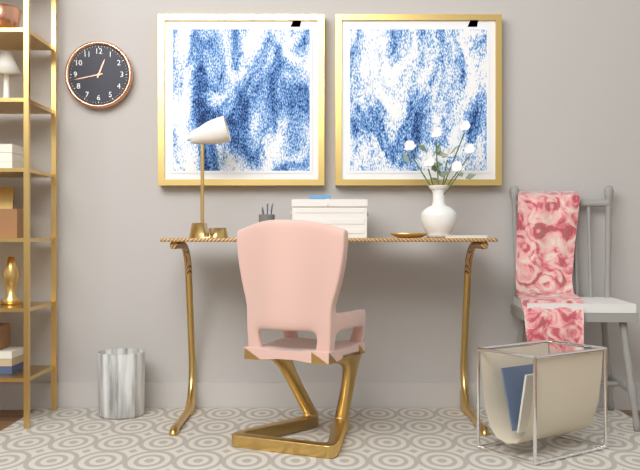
{"hour": 12, "minute": 43}
